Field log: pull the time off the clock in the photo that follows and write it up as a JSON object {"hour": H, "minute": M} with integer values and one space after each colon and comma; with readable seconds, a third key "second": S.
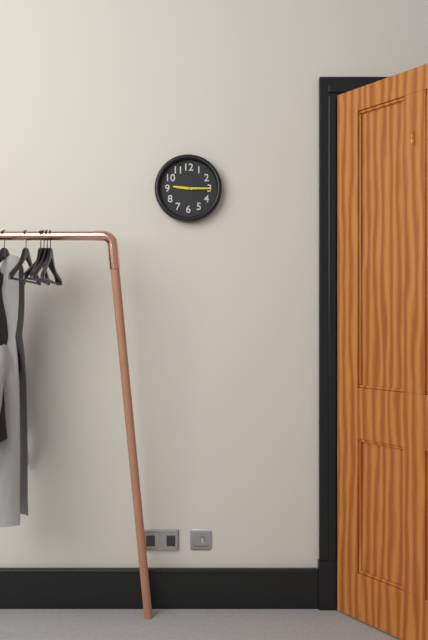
{"hour": 9, "minute": 15}
